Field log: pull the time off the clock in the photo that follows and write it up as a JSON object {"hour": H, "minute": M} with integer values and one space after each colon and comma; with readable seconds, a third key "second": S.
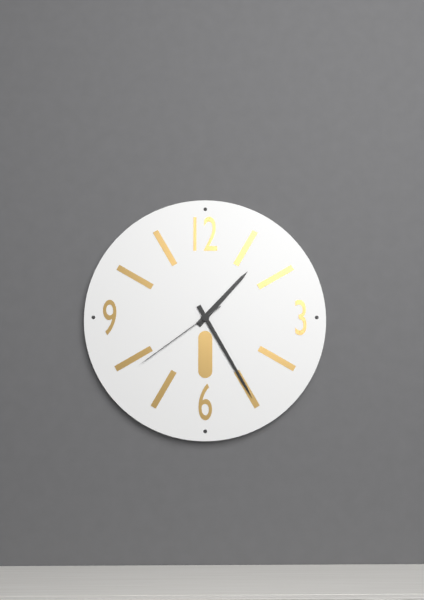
{"hour": 1, "minute": 25, "second": 39}
